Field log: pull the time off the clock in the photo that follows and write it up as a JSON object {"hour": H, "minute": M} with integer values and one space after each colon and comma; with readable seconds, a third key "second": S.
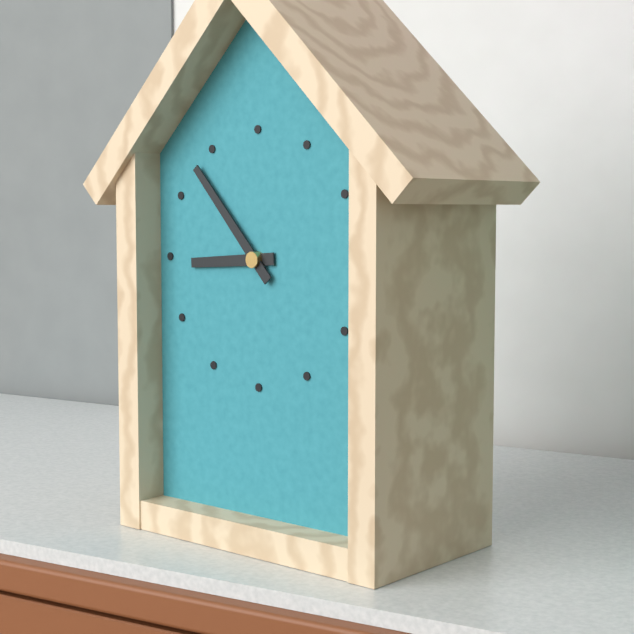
{"hour": 8, "minute": 53}
